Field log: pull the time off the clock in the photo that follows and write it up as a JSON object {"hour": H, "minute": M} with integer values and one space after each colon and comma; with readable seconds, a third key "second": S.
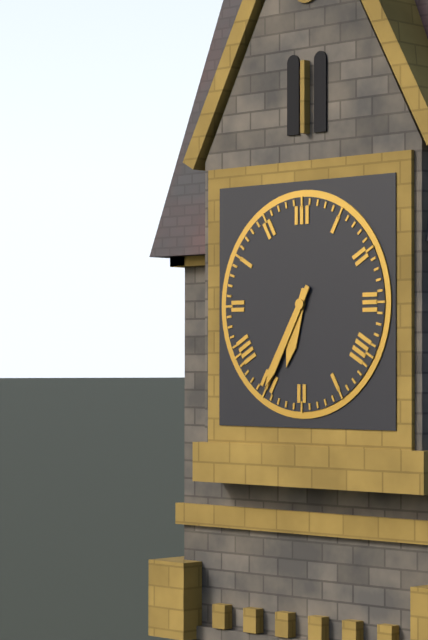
{"hour": 6, "minute": 35}
